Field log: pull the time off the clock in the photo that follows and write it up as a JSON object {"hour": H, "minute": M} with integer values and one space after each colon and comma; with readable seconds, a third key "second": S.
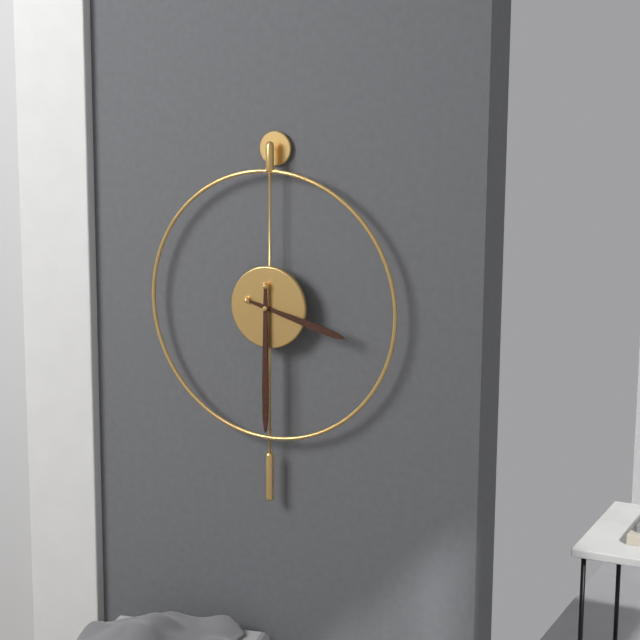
{"hour": 3, "minute": 30}
